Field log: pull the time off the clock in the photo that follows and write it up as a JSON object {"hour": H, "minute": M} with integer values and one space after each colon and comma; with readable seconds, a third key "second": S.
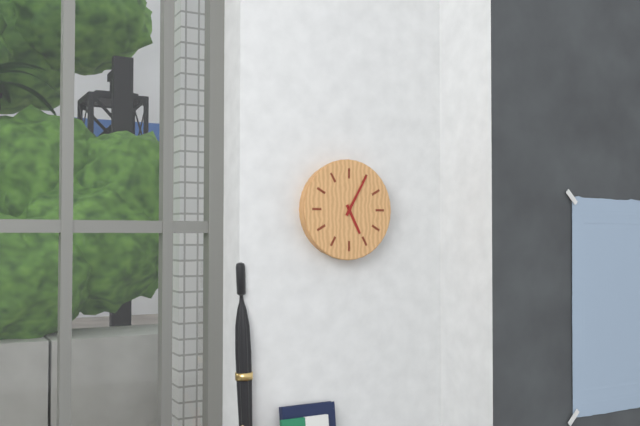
{"hour": 5, "minute": 5}
